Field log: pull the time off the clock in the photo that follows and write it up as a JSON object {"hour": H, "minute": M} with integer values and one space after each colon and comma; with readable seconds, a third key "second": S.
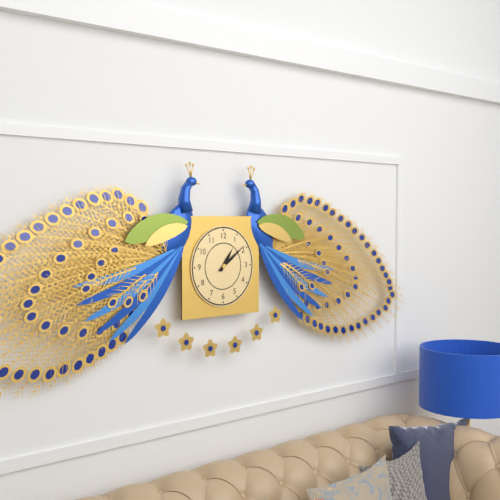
{"hour": 1, "minute": 9}
